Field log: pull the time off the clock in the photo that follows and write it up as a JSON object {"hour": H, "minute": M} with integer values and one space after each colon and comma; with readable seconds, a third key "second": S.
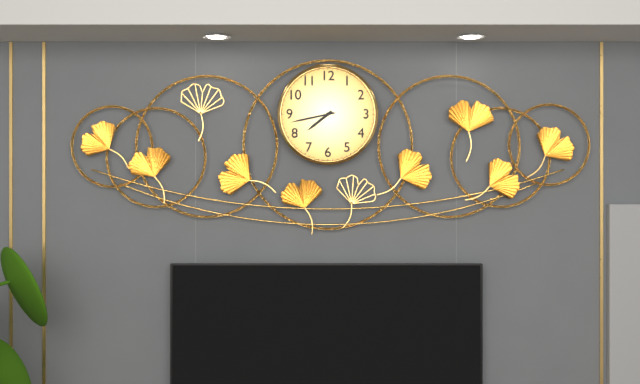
{"hour": 7, "minute": 43}
